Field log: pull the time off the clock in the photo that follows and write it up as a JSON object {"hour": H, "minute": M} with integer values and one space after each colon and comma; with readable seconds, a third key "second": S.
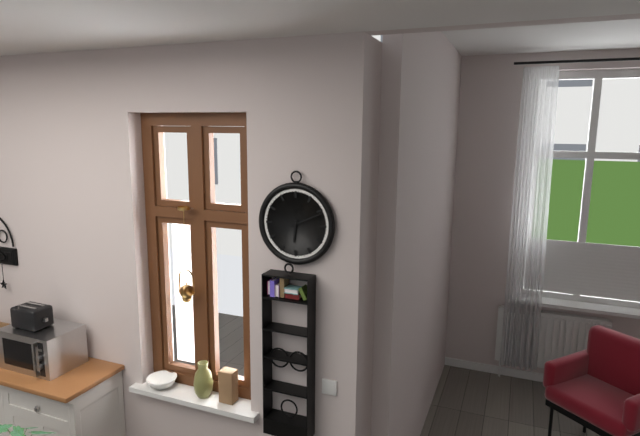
{"hour": 6, "minute": 11}
